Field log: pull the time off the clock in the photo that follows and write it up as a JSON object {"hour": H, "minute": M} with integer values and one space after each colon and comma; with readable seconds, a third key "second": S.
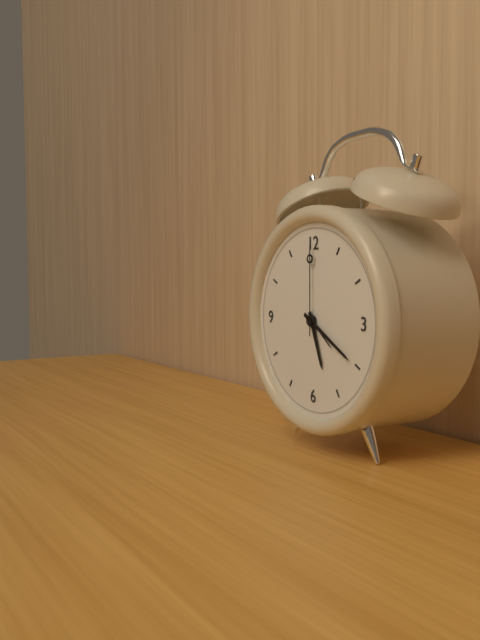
{"hour": 5, "minute": 20, "second": 0}
